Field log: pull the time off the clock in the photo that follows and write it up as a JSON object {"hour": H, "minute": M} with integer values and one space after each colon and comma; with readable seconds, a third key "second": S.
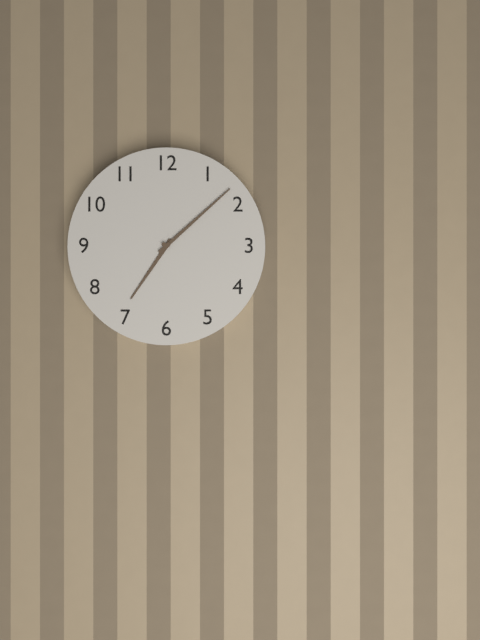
{"hour": 7, "minute": 8}
